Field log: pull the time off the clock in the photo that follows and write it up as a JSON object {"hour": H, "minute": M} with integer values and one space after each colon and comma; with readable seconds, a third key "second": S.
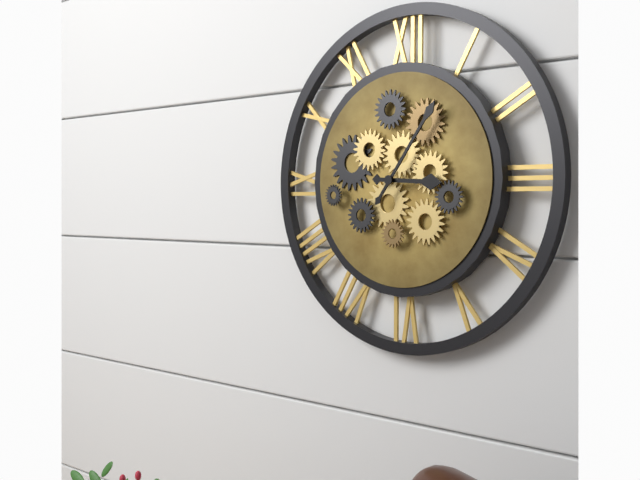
{"hour": 3, "minute": 6}
